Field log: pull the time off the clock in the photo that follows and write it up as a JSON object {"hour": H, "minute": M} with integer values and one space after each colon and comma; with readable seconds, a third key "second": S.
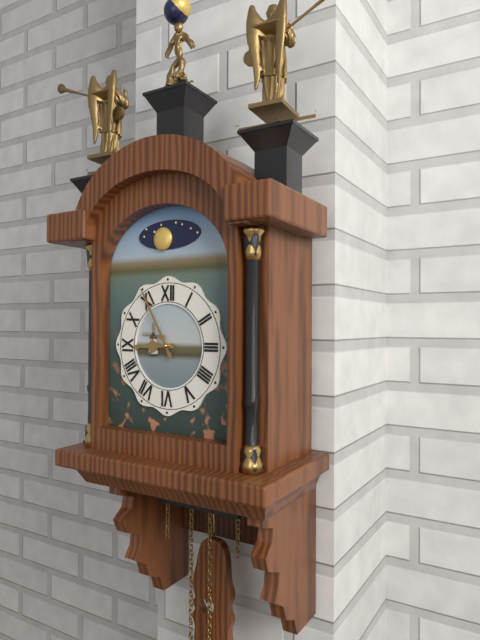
{"hour": 8, "minute": 55}
